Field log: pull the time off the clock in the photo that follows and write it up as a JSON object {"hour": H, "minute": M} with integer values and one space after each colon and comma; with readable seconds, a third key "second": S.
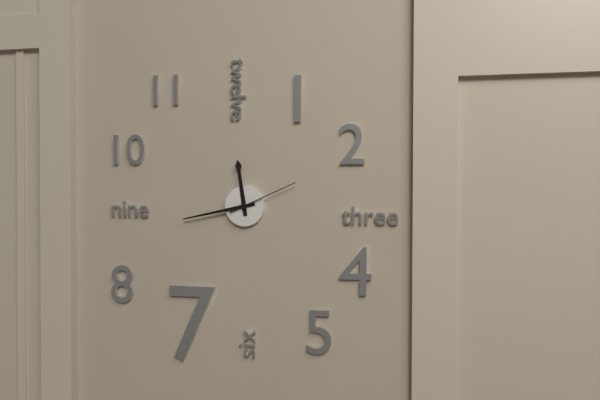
{"hour": 11, "minute": 43, "second": 11}
